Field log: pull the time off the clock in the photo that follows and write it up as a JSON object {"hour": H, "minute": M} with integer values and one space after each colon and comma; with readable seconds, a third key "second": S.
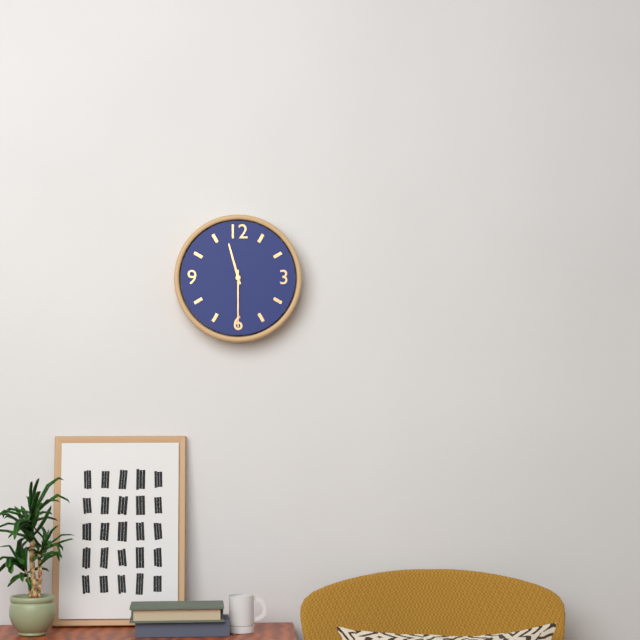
{"hour": 11, "minute": 30}
